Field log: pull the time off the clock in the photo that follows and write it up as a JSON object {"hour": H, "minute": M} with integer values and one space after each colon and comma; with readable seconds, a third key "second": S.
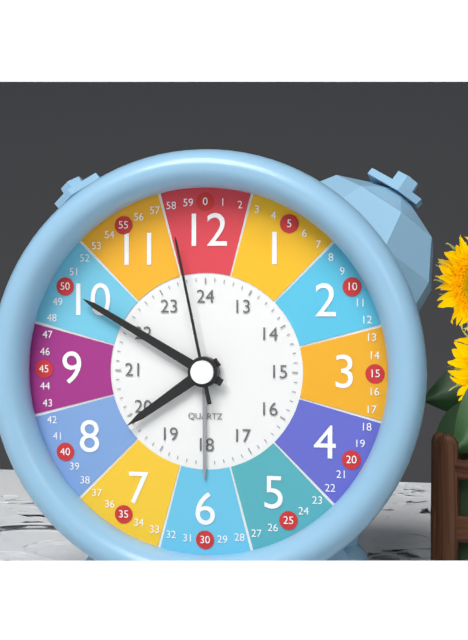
{"hour": 7, "minute": 50, "second": 58}
